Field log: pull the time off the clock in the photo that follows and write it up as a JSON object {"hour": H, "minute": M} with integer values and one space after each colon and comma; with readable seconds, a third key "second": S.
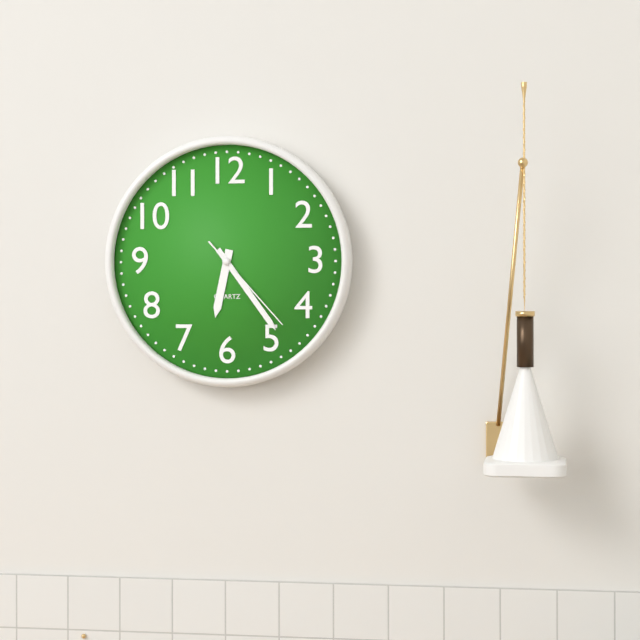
{"hour": 6, "minute": 24, "second": 23}
